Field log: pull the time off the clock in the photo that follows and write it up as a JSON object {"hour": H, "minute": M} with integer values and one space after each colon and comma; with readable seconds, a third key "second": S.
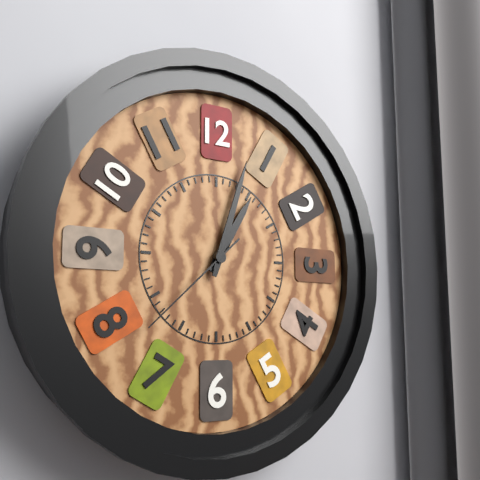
{"hour": 1, "minute": 3, "second": 38}
